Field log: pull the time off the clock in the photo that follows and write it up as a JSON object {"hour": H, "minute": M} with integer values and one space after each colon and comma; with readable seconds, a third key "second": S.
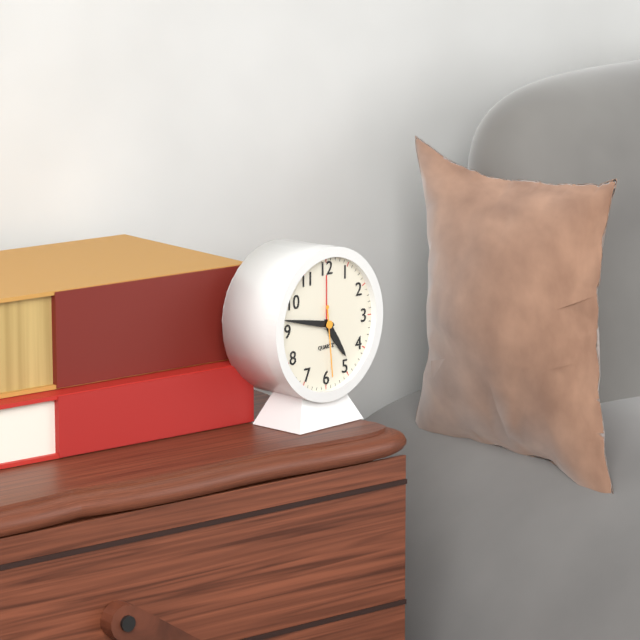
{"hour": 4, "minute": 47, "second": 29}
